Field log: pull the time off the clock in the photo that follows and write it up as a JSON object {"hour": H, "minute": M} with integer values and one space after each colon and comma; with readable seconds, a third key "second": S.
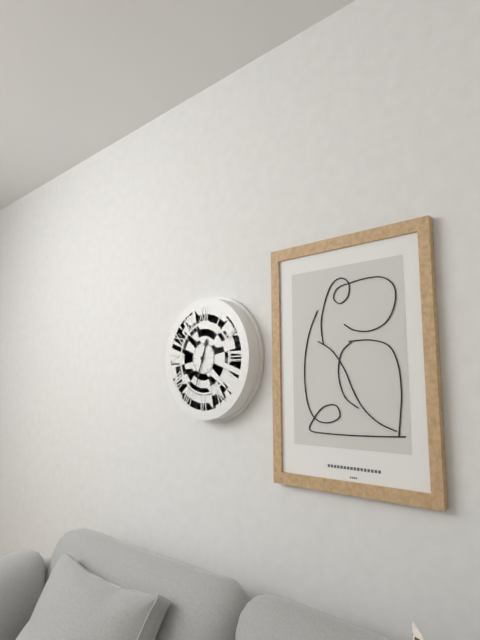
{"hour": 12, "minute": 33}
